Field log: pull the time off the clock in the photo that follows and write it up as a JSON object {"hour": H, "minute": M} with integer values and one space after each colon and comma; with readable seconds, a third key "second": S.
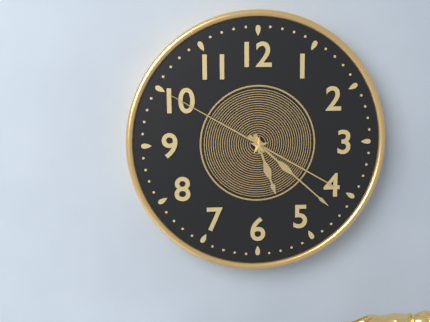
{"hour": 5, "minute": 22, "second": 50}
